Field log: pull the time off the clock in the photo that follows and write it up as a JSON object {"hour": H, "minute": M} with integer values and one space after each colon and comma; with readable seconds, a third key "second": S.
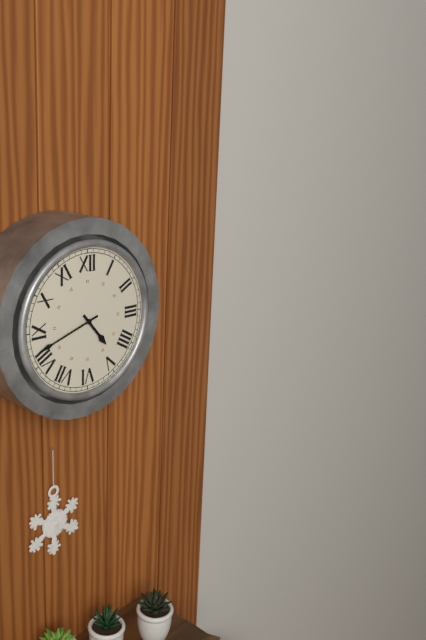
{"hour": 4, "minute": 42}
